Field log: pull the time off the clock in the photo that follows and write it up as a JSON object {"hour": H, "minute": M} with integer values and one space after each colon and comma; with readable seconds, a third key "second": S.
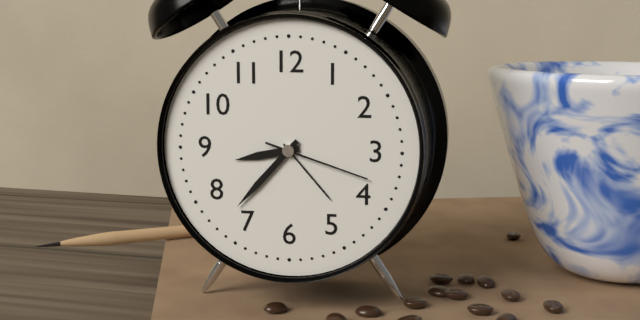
{"hour": 8, "minute": 37, "second": 18}
